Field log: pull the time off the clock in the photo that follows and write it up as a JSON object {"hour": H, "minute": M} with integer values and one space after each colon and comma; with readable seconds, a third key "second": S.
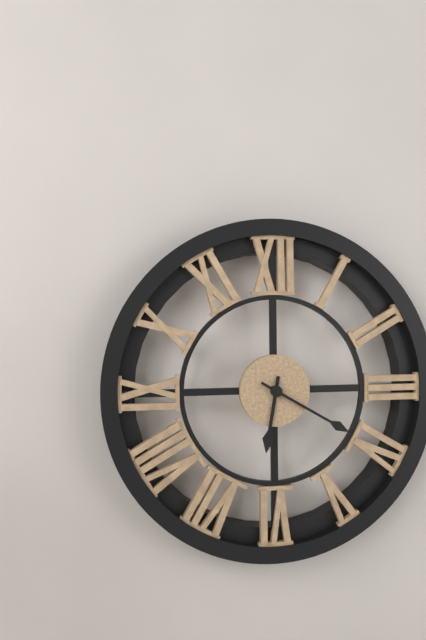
{"hour": 6, "minute": 20}
